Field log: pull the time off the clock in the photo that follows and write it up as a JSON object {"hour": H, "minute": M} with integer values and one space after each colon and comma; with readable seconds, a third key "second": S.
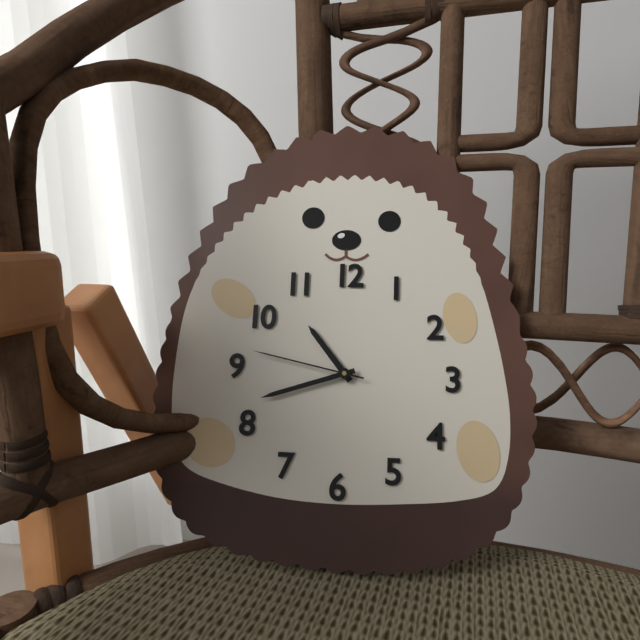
{"hour": 10, "minute": 42, "second": 47}
